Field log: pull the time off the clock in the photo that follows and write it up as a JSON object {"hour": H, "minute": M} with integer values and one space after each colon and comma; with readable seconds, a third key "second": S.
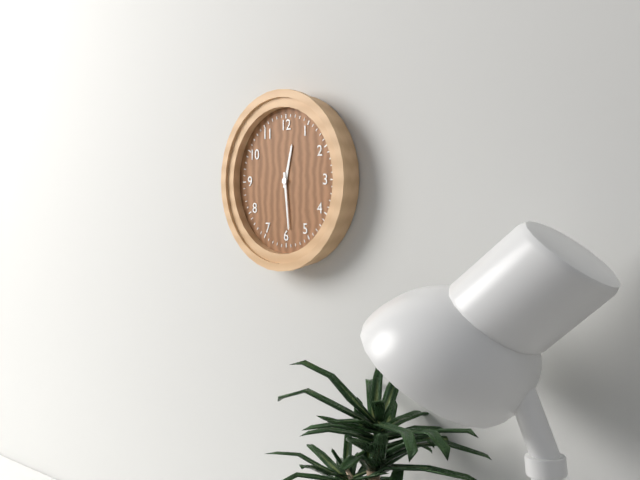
{"hour": 12, "minute": 29}
